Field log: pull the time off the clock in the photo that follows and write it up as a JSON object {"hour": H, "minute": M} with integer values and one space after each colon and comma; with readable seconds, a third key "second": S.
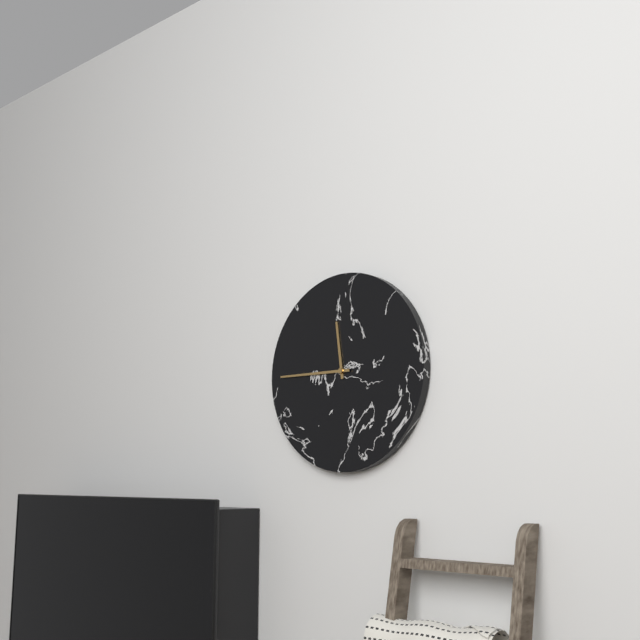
{"hour": 11, "minute": 45}
